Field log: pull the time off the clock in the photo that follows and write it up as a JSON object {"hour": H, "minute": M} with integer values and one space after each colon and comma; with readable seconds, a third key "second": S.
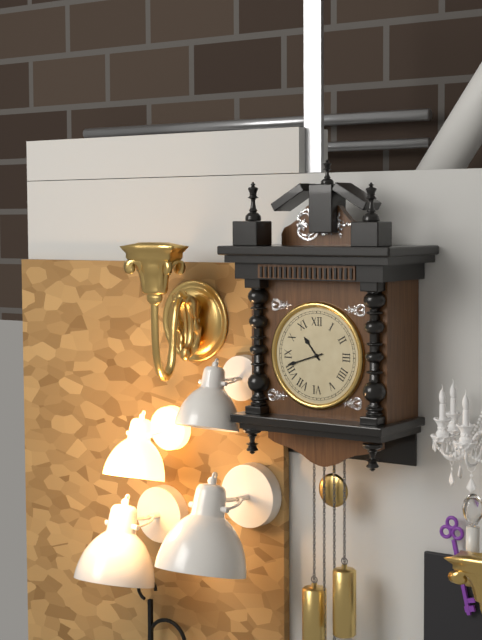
{"hour": 10, "minute": 42}
